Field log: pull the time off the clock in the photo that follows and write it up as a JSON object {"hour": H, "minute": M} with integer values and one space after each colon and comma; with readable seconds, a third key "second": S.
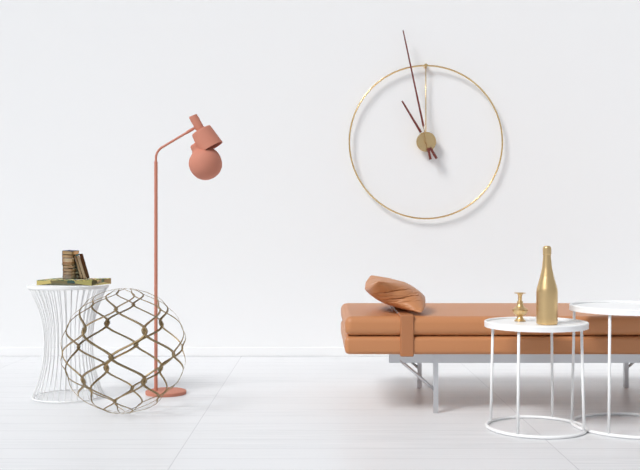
{"hour": 10, "minute": 58}
